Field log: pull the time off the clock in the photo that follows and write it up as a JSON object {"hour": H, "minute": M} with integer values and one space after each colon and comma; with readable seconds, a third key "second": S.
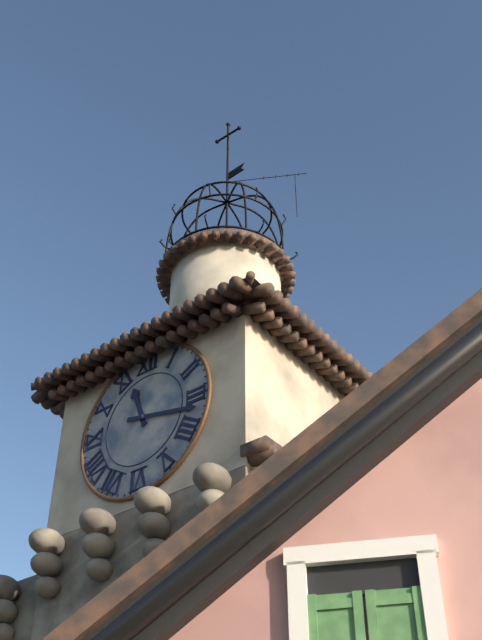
{"hour": 11, "minute": 17}
